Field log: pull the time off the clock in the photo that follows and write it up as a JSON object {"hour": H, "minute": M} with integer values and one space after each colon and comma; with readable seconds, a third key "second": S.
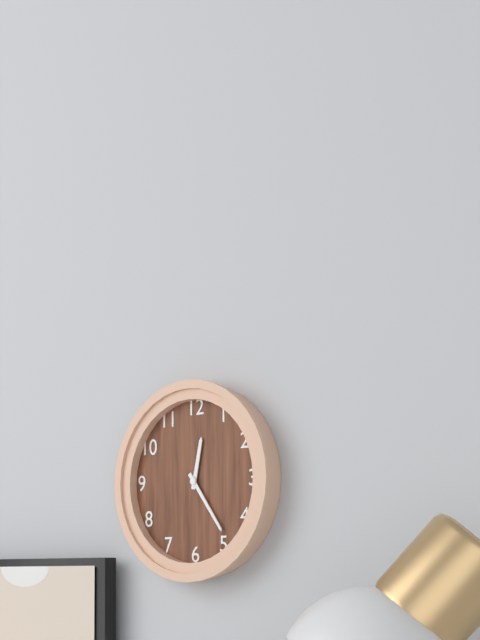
{"hour": 12, "minute": 24}
